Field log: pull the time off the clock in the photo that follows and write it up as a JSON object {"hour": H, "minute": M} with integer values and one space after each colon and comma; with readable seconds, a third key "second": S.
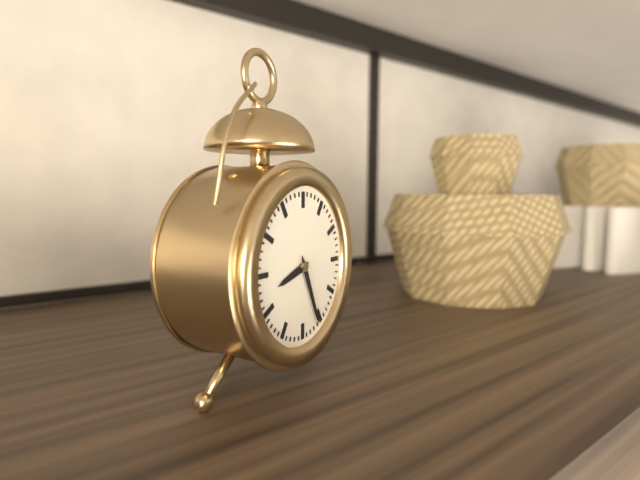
{"hour": 8, "minute": 26}
